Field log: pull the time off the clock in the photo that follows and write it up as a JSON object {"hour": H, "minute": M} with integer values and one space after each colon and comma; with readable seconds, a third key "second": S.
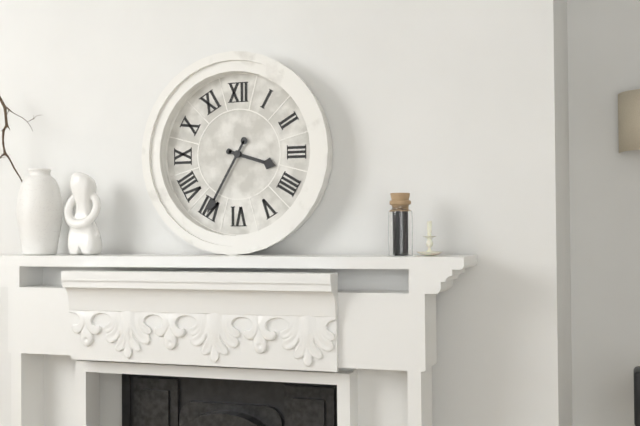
{"hour": 3, "minute": 35}
